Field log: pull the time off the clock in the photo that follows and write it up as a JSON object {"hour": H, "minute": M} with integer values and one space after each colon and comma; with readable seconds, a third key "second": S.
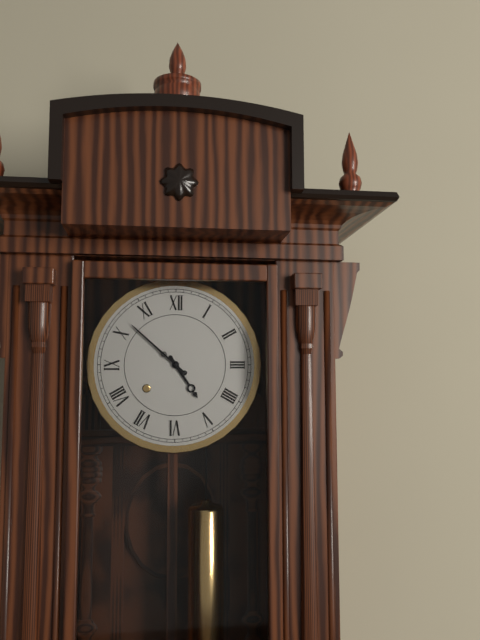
{"hour": 4, "minute": 52}
